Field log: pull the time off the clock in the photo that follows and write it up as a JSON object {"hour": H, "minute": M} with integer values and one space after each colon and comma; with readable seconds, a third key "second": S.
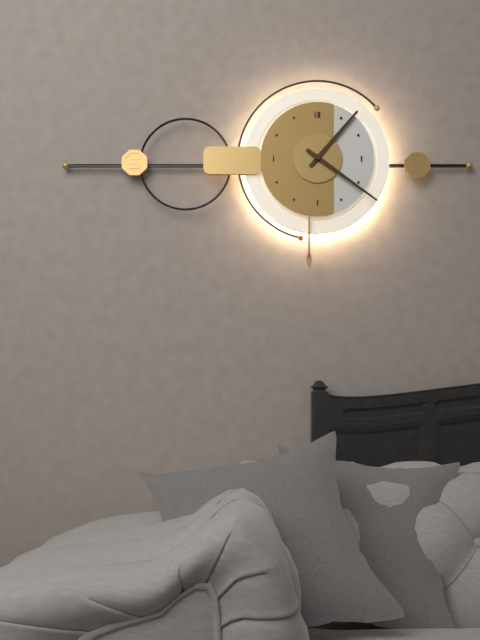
{"hour": 1, "minute": 21}
